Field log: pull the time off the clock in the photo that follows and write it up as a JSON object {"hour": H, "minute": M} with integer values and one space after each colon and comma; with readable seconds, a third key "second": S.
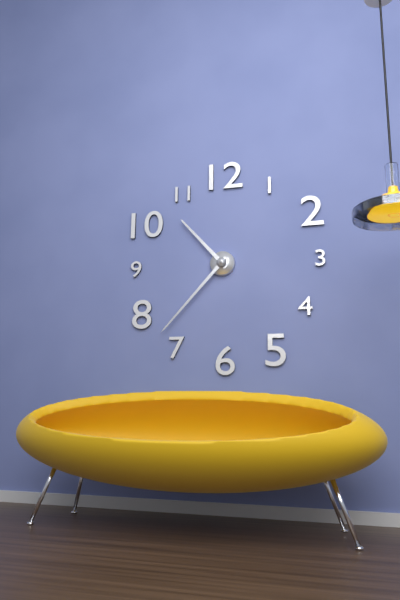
{"hour": 10, "minute": 37}
